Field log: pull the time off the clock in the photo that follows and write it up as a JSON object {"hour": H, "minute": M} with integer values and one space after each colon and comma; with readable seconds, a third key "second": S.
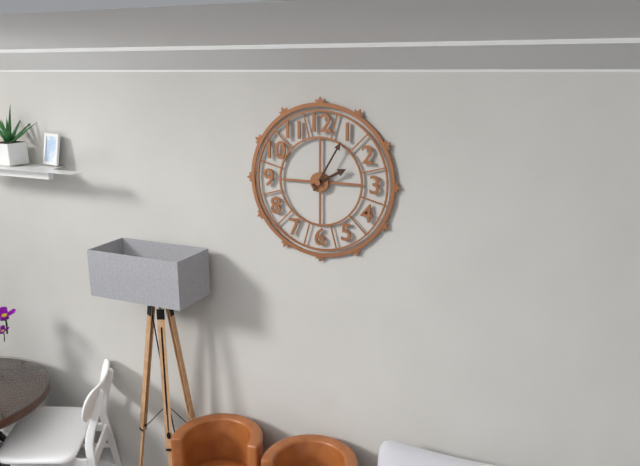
{"hour": 2, "minute": 5}
